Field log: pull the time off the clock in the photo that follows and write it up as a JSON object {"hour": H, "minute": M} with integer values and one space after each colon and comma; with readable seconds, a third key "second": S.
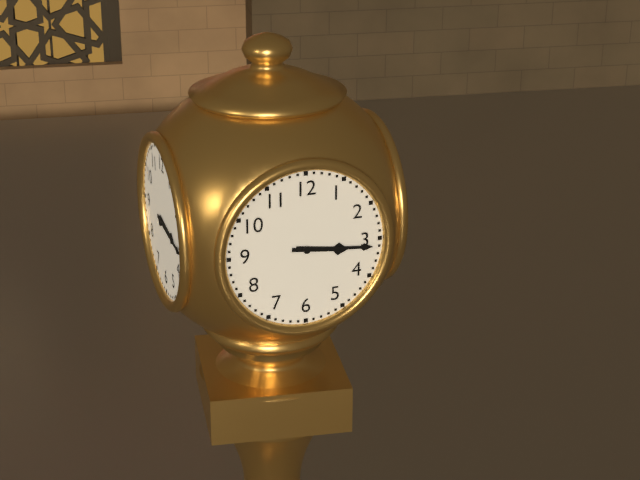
{"hour": 3, "minute": 16}
